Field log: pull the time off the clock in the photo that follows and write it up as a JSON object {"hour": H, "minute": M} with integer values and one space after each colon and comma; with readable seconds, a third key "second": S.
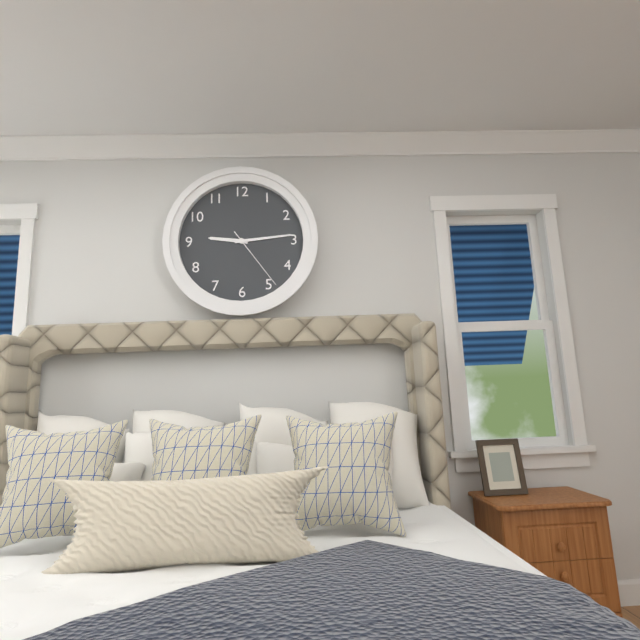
{"hour": 9, "minute": 14, "second": 24}
